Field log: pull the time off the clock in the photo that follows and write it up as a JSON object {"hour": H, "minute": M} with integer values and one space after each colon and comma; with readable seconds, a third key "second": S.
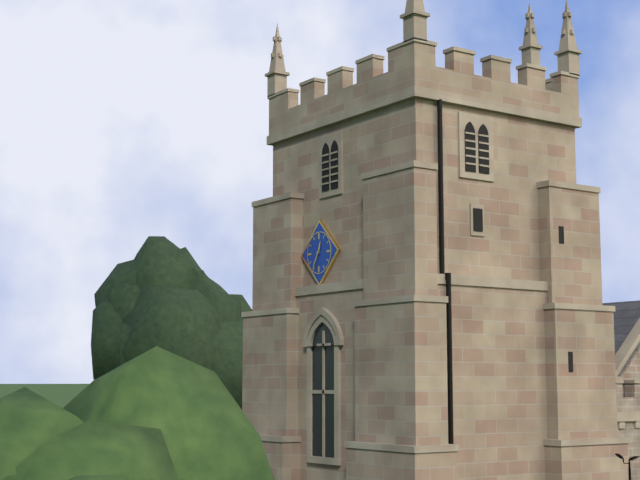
{"hour": 12, "minute": 35}
